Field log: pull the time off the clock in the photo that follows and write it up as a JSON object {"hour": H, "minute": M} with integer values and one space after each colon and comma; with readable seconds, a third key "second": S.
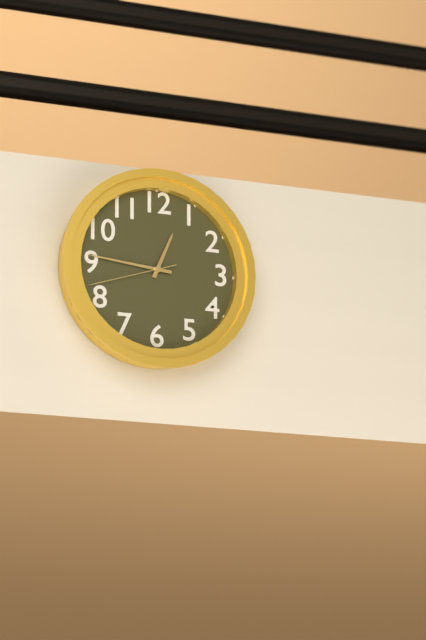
{"hour": 12, "minute": 46, "second": 42}
